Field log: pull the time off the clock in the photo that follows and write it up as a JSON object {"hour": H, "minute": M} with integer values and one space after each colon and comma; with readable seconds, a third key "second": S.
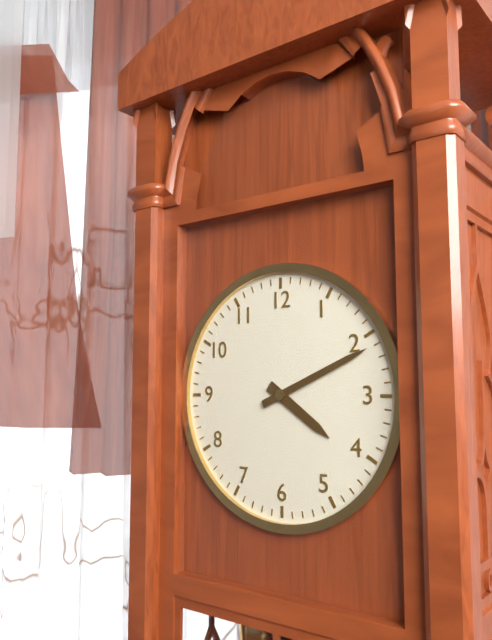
{"hour": 4, "minute": 11}
